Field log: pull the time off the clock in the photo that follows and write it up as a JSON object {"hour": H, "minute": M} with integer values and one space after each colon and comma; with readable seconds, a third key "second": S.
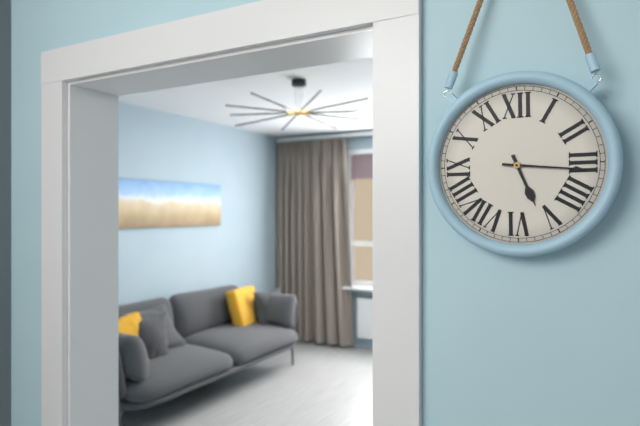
{"hour": 5, "minute": 16}
